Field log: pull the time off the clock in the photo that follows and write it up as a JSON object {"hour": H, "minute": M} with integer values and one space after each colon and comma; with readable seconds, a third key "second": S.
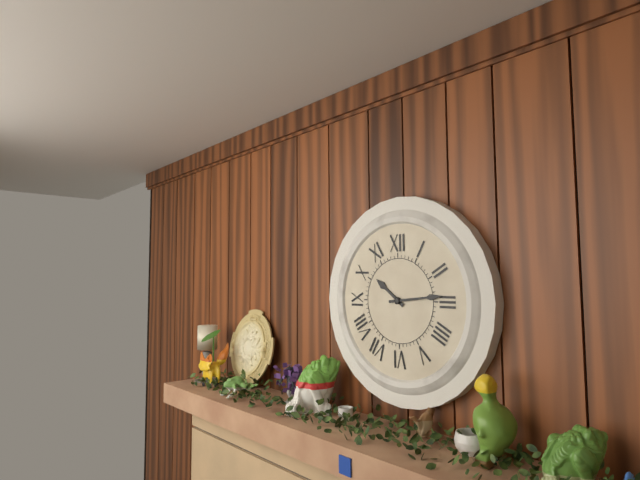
{"hour": 10, "minute": 14}
